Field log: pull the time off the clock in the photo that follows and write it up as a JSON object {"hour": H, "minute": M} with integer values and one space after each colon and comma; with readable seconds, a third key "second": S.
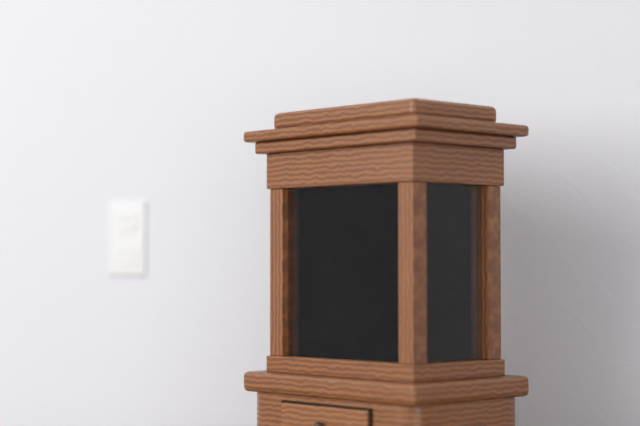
{"hour": 11, "minute": 51}
